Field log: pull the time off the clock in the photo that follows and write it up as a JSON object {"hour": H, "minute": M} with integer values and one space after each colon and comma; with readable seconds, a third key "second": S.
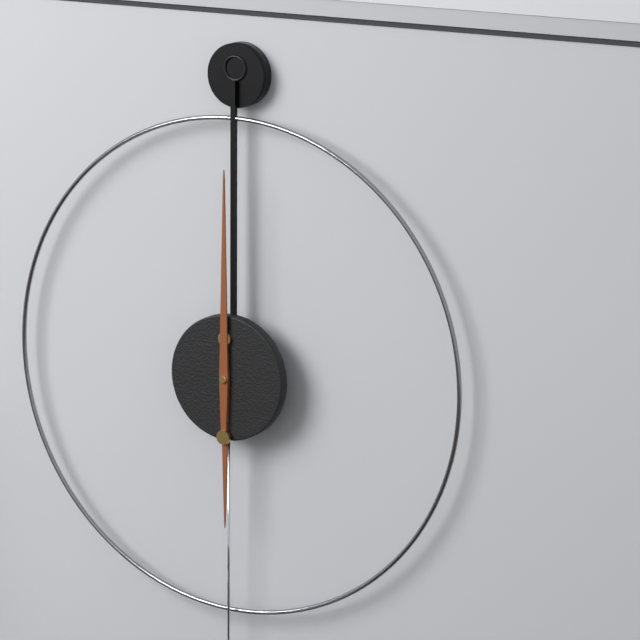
{"hour": 6, "minute": 0}
